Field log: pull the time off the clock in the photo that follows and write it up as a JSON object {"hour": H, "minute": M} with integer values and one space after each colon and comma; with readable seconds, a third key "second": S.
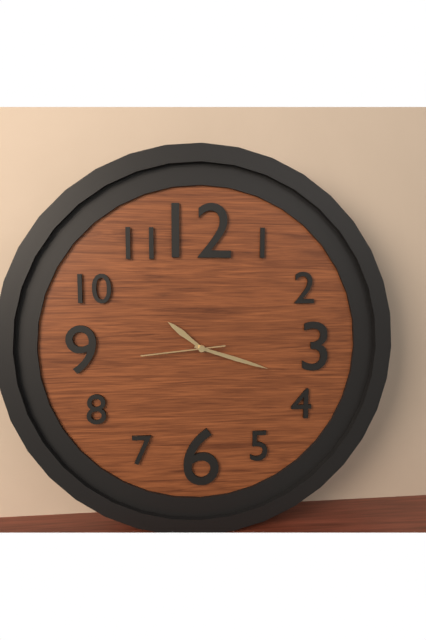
{"hour": 10, "minute": 18, "second": 44}
